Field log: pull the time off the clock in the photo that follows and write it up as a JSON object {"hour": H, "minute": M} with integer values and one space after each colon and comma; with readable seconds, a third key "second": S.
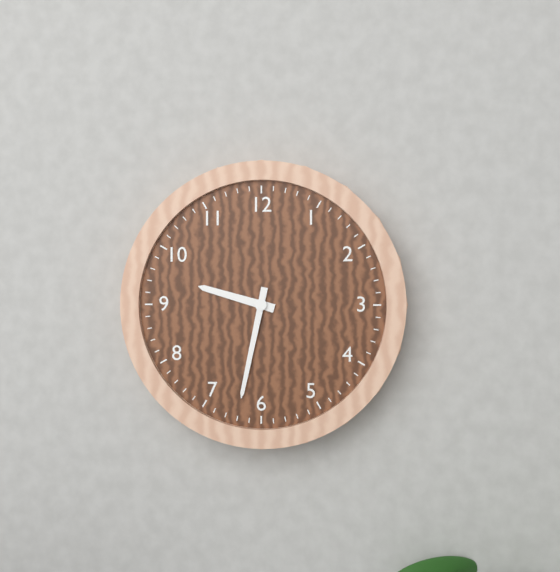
{"hour": 9, "minute": 32}
